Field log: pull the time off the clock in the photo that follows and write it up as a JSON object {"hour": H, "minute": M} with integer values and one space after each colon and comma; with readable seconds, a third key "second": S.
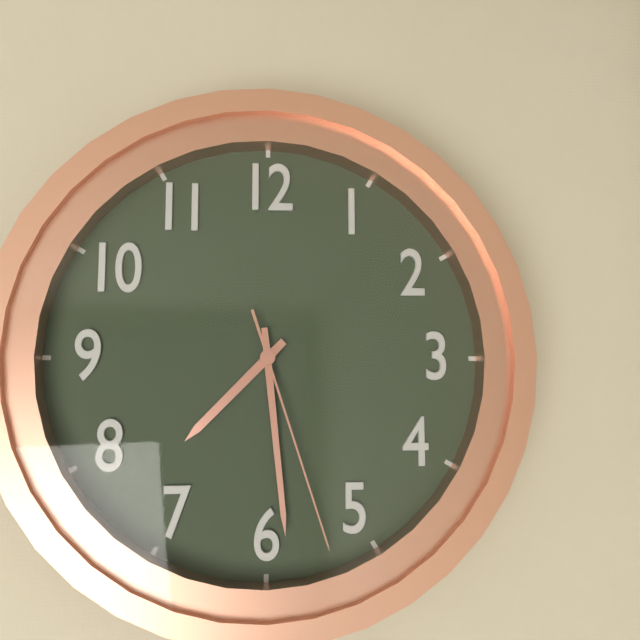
{"hour": 7, "minute": 29, "second": 27}
